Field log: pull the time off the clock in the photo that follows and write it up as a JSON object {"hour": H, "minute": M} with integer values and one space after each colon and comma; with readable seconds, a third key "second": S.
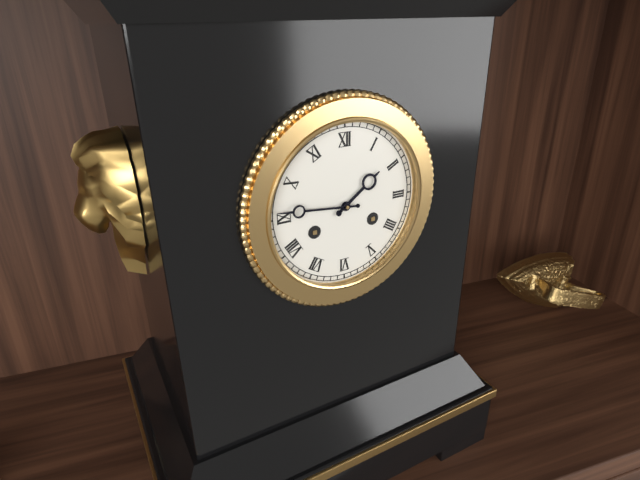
{"hour": 1, "minute": 46}
